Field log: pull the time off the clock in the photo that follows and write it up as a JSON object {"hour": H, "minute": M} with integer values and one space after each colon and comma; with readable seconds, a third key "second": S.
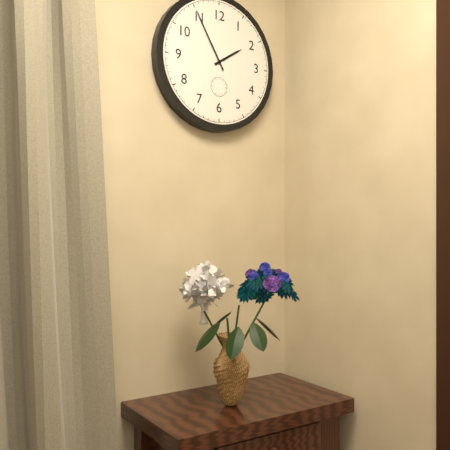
{"hour": 1, "minute": 55}
